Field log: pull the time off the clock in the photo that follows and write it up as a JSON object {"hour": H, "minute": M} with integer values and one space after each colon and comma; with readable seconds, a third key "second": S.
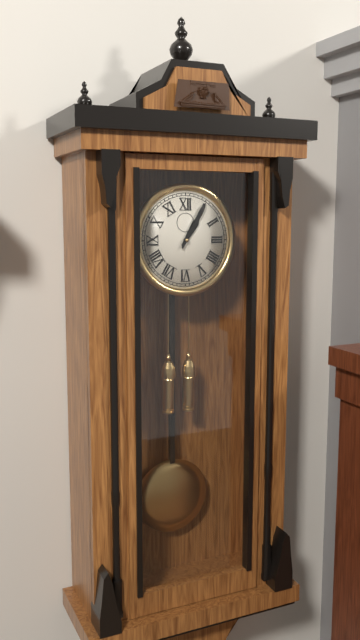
{"hour": 1, "minute": 5}
